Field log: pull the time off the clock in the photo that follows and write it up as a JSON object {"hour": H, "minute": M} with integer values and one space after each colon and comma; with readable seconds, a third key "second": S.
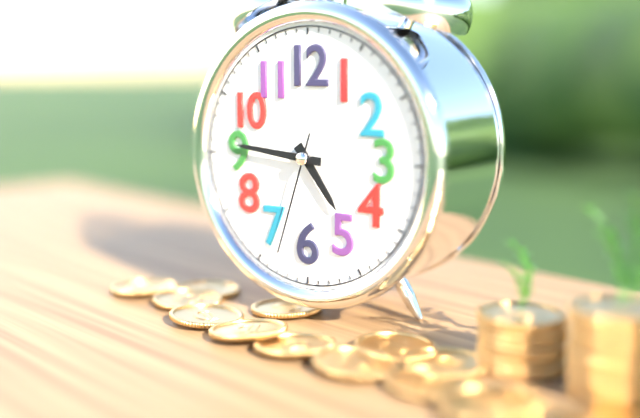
{"hour": 4, "minute": 46, "second": 33}
